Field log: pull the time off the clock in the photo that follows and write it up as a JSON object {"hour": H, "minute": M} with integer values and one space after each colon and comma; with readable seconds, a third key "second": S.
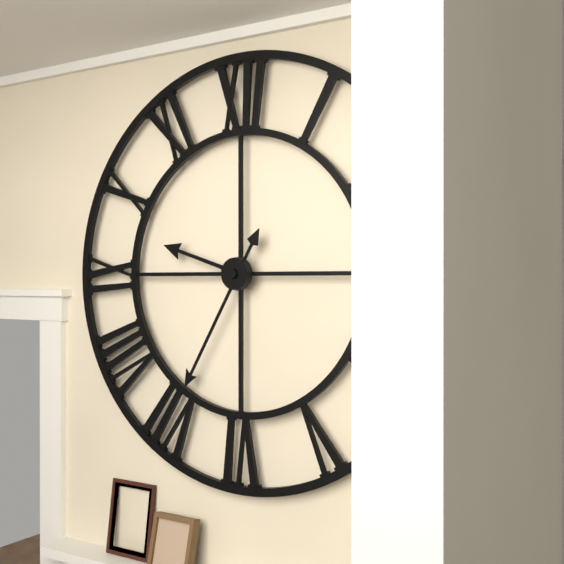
{"hour": 9, "minute": 35}
